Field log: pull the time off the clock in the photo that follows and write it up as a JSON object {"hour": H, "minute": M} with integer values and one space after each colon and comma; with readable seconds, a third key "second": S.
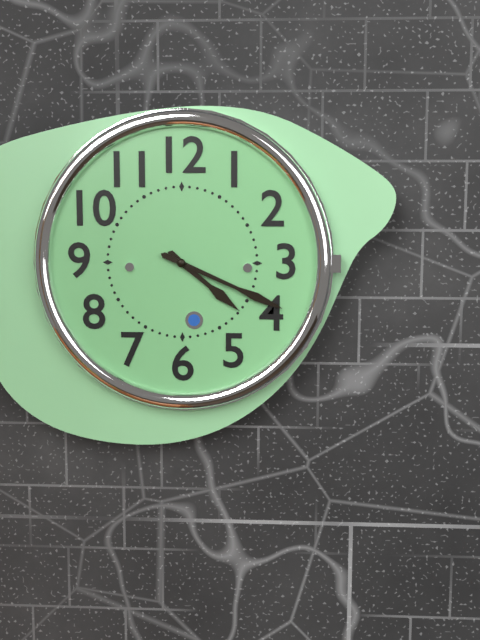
{"hour": 4, "minute": 19}
